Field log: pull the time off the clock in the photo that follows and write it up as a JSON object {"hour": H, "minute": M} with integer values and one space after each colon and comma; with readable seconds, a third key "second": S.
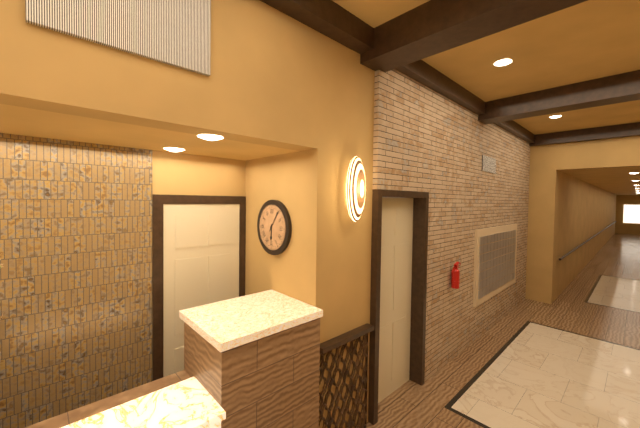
{"hour": 6, "minute": 6}
